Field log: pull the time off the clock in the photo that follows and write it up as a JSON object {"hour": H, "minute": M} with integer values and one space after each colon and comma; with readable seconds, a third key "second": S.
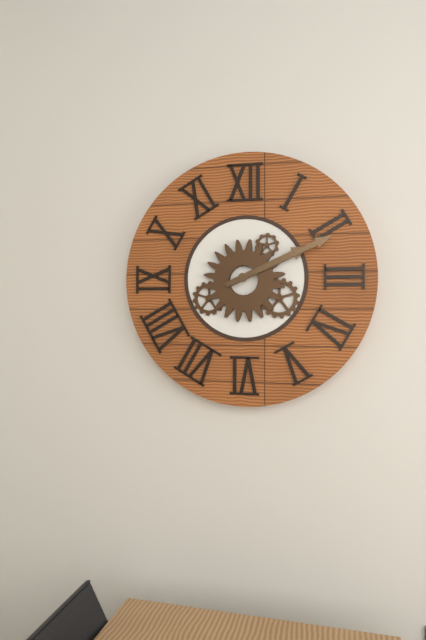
{"hour": 2, "minute": 11}
